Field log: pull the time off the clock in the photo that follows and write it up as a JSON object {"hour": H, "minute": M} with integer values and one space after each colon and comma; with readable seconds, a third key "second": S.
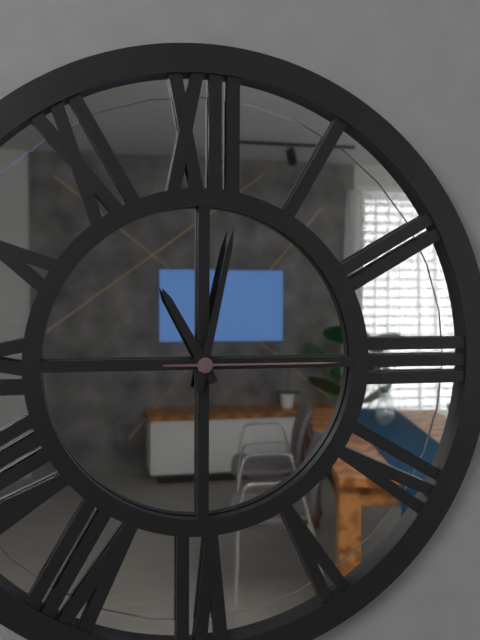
{"hour": 11, "minute": 2, "second": 15}
